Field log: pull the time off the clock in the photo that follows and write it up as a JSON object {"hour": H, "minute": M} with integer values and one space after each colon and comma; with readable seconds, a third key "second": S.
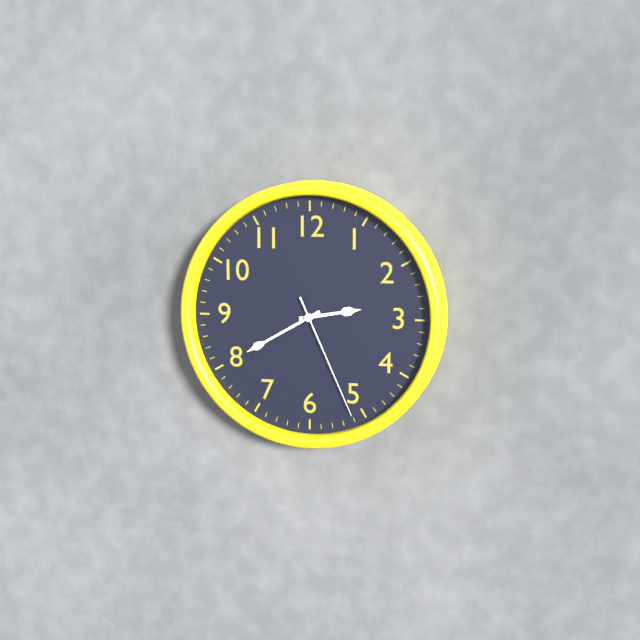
{"hour": 2, "minute": 40, "second": 26}
